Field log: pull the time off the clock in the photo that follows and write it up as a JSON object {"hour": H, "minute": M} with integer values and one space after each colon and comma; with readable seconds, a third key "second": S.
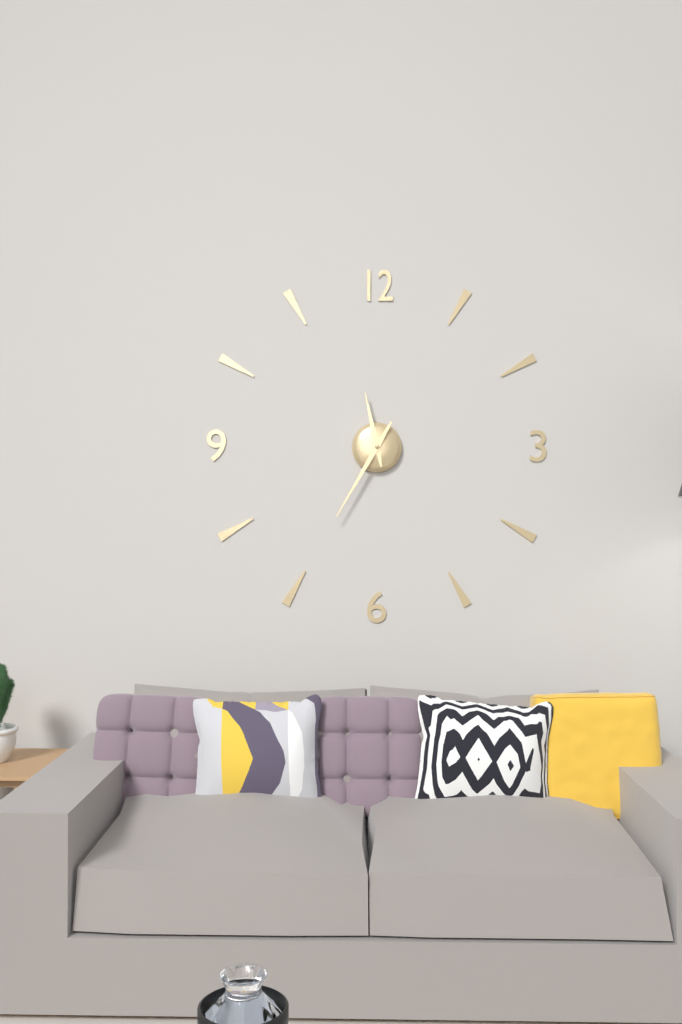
{"hour": 11, "minute": 35}
